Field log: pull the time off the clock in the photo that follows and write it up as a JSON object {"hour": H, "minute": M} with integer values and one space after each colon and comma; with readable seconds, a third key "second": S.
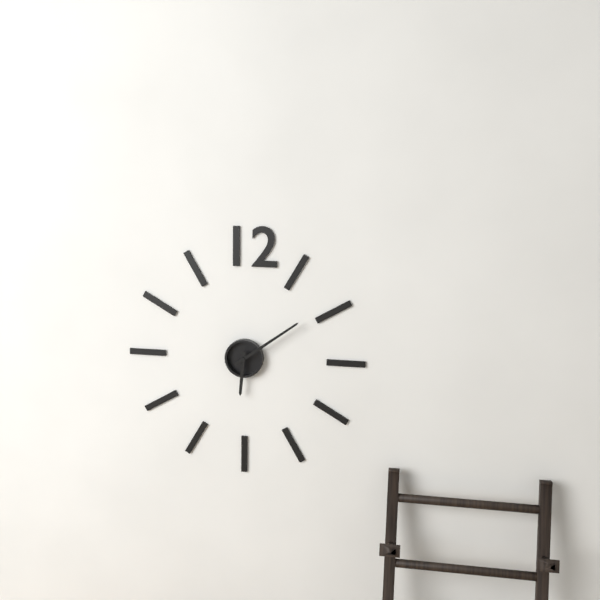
{"hour": 6, "minute": 9}
